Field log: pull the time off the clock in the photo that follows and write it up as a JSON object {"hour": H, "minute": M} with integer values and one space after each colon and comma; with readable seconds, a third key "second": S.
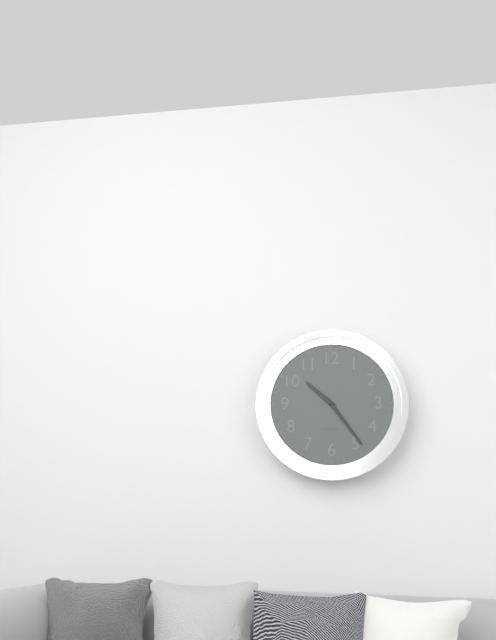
{"hour": 10, "minute": 24}
